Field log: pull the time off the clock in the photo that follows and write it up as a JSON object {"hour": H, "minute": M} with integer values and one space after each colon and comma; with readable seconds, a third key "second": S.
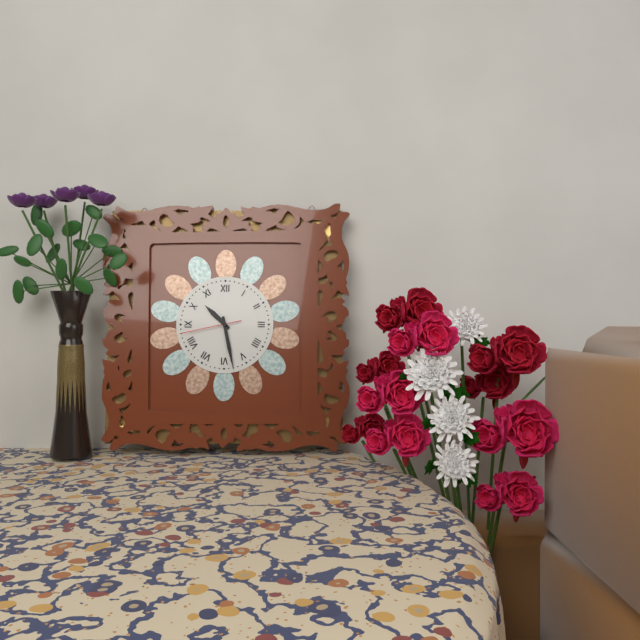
{"hour": 10, "minute": 28, "second": 43}
